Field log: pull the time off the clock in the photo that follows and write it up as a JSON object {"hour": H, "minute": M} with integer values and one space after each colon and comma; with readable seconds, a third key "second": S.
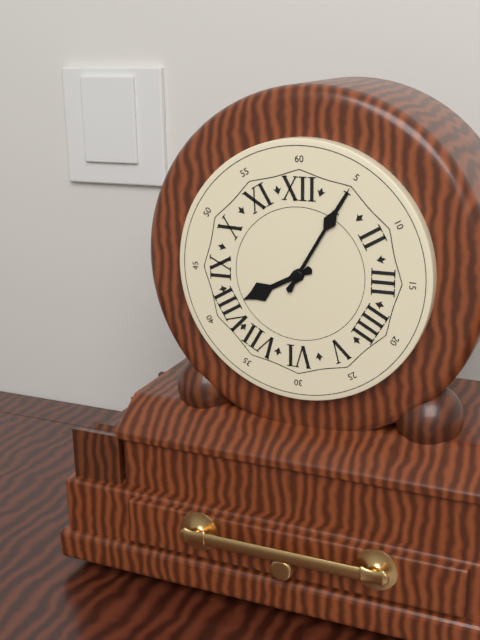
{"hour": 8, "minute": 5}
